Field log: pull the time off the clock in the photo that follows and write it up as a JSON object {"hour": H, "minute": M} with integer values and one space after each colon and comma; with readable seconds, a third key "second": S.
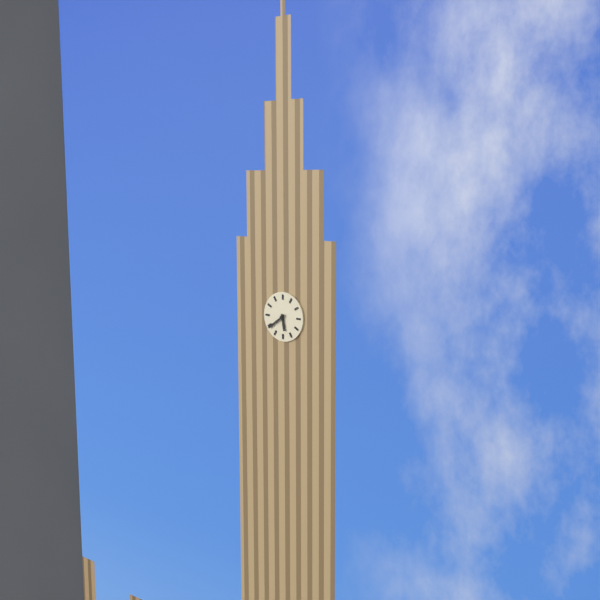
{"hour": 5, "minute": 39}
